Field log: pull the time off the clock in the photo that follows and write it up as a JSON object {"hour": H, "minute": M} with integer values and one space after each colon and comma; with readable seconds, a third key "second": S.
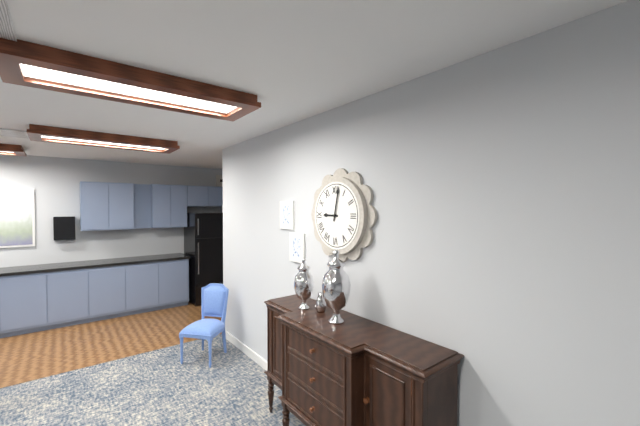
{"hour": 9, "minute": 2}
